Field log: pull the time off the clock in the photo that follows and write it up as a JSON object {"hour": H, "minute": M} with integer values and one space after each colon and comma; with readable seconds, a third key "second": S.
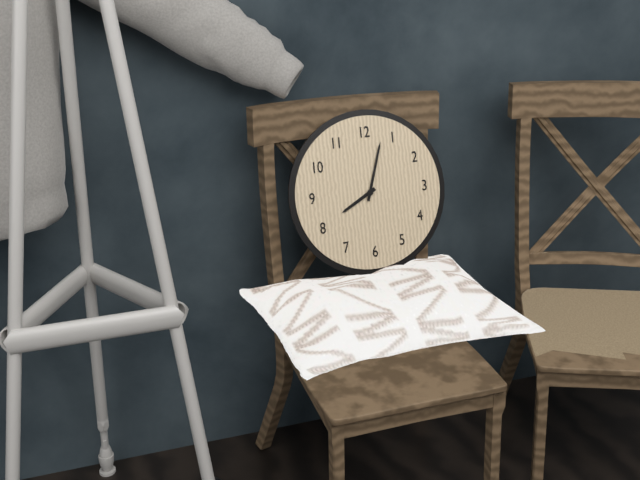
{"hour": 8, "minute": 3}
